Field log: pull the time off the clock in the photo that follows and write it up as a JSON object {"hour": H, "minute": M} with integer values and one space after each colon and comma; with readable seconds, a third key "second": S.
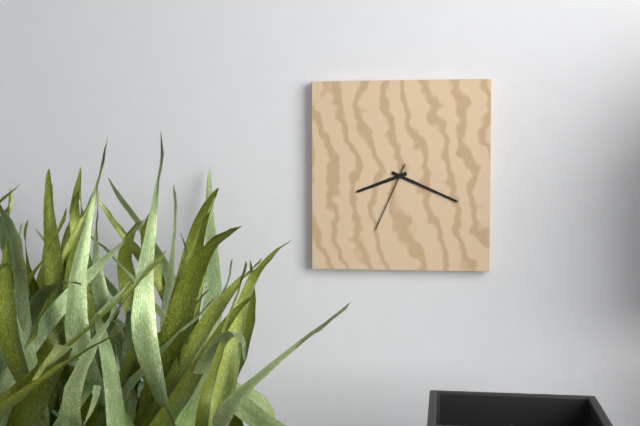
{"hour": 8, "minute": 19, "second": 34}
